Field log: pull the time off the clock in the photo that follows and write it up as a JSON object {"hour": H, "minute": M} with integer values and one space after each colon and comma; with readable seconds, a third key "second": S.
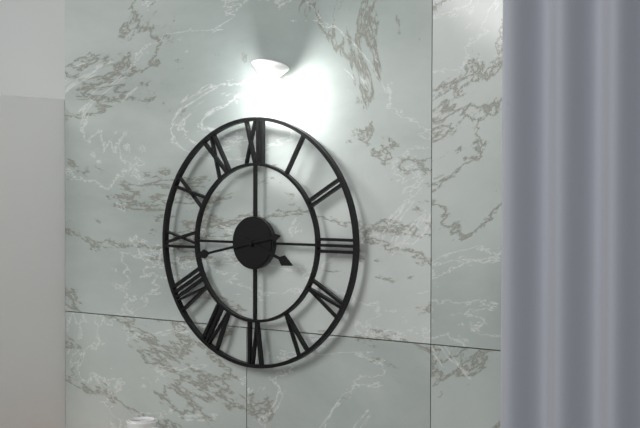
{"hour": 3, "minute": 43}
